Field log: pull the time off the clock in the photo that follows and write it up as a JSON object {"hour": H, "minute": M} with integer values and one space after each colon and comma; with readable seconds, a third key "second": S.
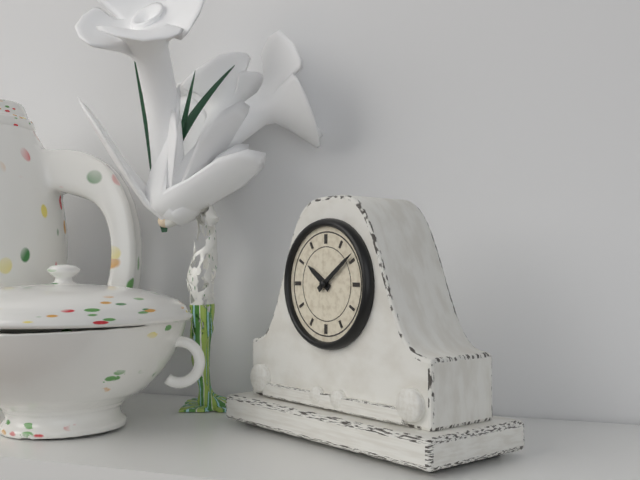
{"hour": 10, "minute": 9}
